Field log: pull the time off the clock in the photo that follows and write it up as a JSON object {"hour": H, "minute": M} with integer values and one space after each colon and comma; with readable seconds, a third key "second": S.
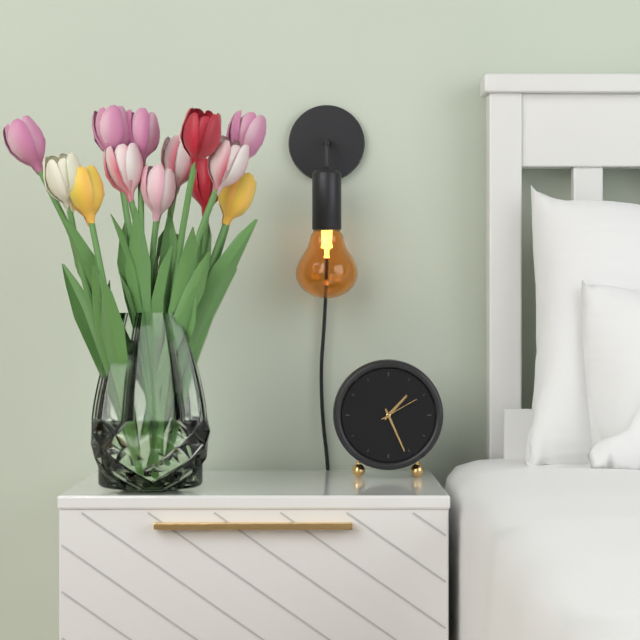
{"hour": 1, "minute": 26}
